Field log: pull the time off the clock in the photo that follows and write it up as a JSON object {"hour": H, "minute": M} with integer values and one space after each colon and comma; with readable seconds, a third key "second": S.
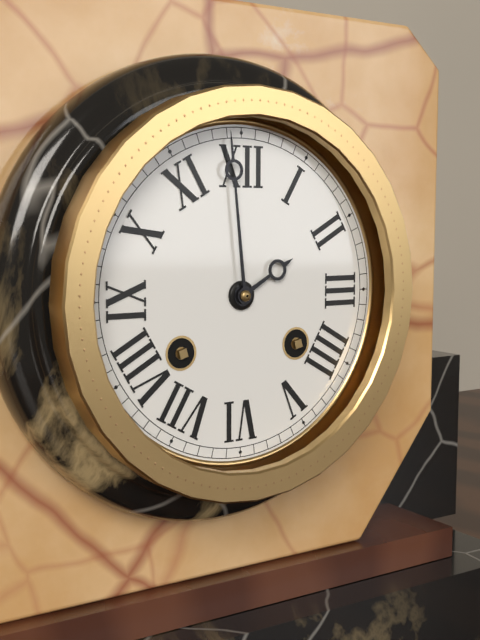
{"hour": 1, "minute": 59}
